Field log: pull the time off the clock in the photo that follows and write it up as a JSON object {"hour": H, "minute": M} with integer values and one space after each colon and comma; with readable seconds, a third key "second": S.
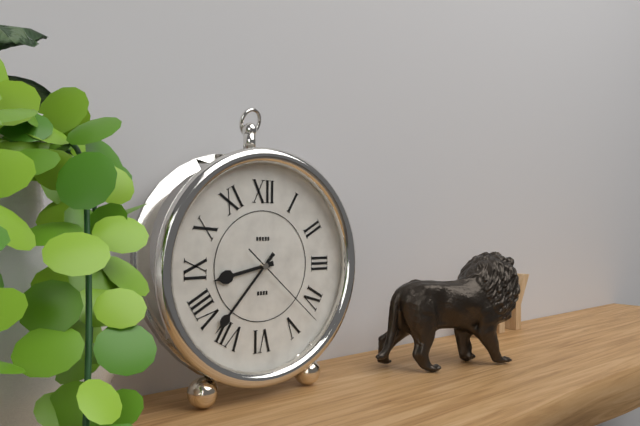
{"hour": 8, "minute": 37, "second": 22}
